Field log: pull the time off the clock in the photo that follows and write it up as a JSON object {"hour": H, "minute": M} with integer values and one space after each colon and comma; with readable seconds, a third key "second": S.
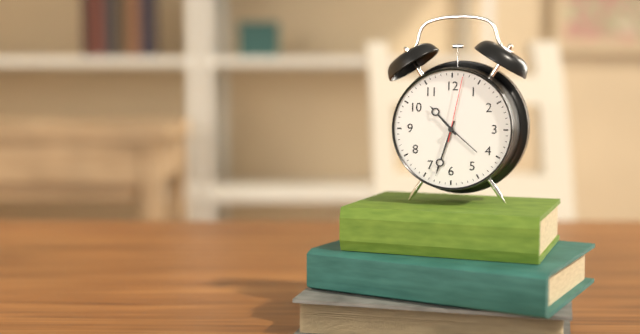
{"hour": 10, "minute": 33, "second": 2}
